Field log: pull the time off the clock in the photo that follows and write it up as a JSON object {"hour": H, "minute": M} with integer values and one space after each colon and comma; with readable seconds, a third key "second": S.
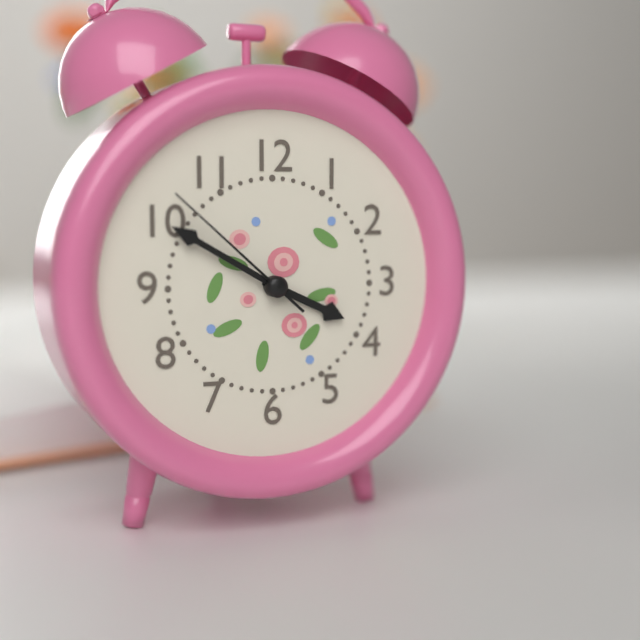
{"hour": 3, "minute": 50, "second": 52}
